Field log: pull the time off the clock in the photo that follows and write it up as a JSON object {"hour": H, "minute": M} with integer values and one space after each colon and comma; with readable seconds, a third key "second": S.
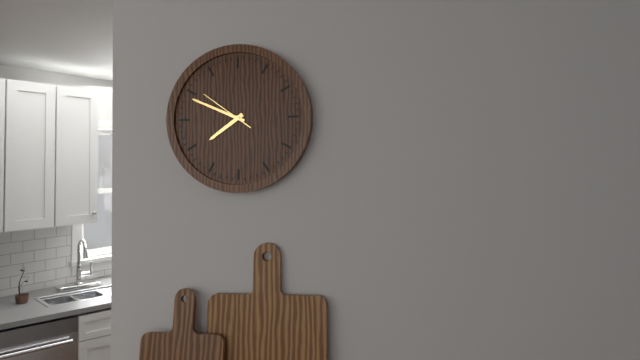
{"hour": 7, "minute": 49, "second": 51}
